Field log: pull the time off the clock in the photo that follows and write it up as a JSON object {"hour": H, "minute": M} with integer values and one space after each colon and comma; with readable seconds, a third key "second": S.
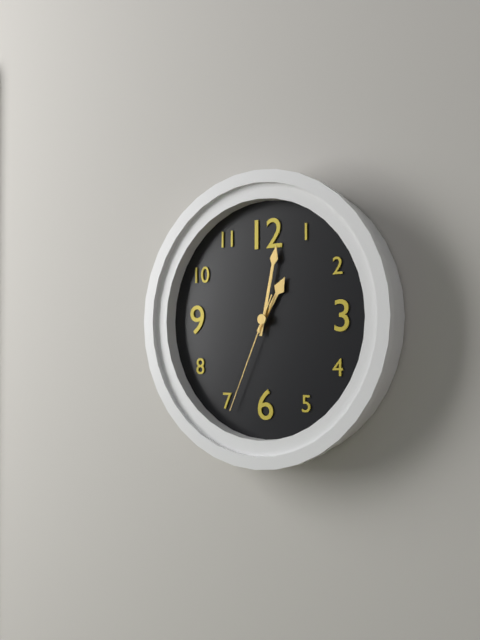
{"hour": 1, "minute": 2, "second": 34}
